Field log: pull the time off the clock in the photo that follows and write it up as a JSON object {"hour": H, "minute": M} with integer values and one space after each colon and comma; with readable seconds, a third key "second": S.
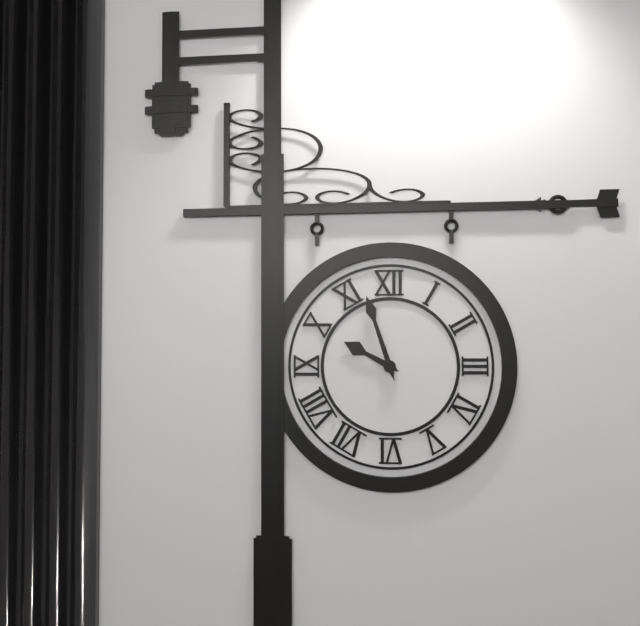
{"hour": 9, "minute": 57}
